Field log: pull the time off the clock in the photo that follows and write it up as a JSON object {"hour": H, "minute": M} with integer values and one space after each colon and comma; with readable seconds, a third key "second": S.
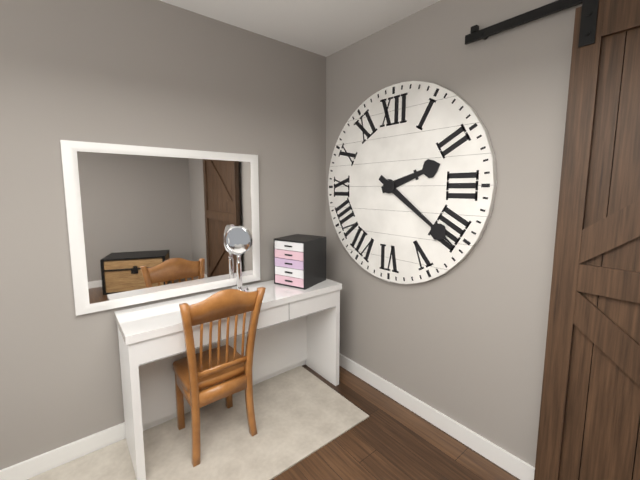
{"hour": 2, "minute": 21}
